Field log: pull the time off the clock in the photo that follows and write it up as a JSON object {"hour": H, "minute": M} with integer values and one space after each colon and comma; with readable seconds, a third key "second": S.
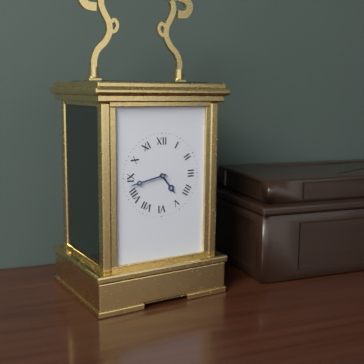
{"hour": 4, "minute": 43}
